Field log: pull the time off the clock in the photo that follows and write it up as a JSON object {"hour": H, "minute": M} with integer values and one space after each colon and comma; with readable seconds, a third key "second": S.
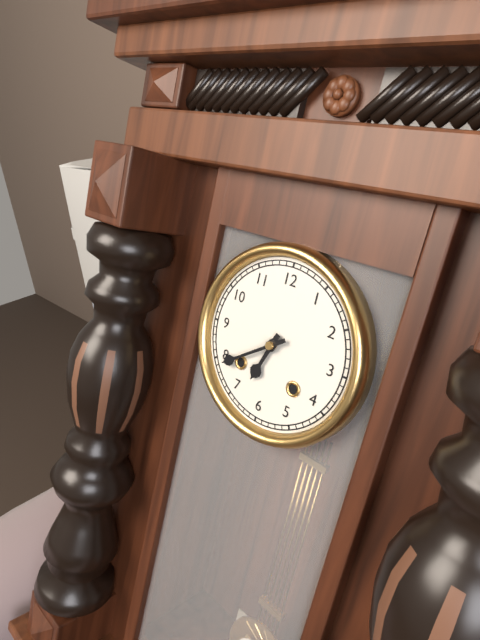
{"hour": 6, "minute": 39}
